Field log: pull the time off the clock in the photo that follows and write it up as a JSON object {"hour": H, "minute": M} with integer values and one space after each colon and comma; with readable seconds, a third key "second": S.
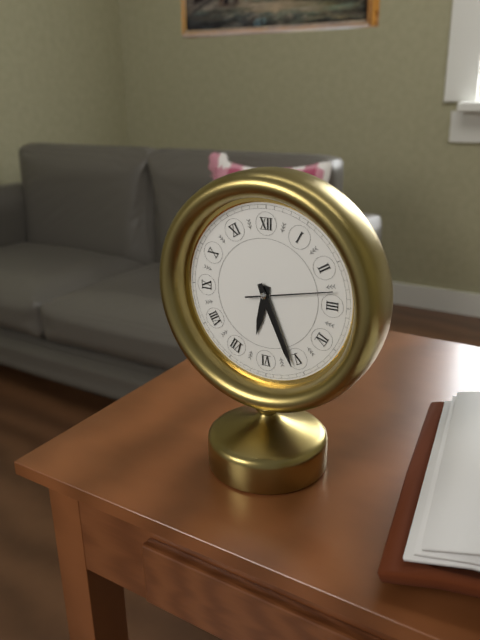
{"hour": 6, "minute": 26, "second": 13}
